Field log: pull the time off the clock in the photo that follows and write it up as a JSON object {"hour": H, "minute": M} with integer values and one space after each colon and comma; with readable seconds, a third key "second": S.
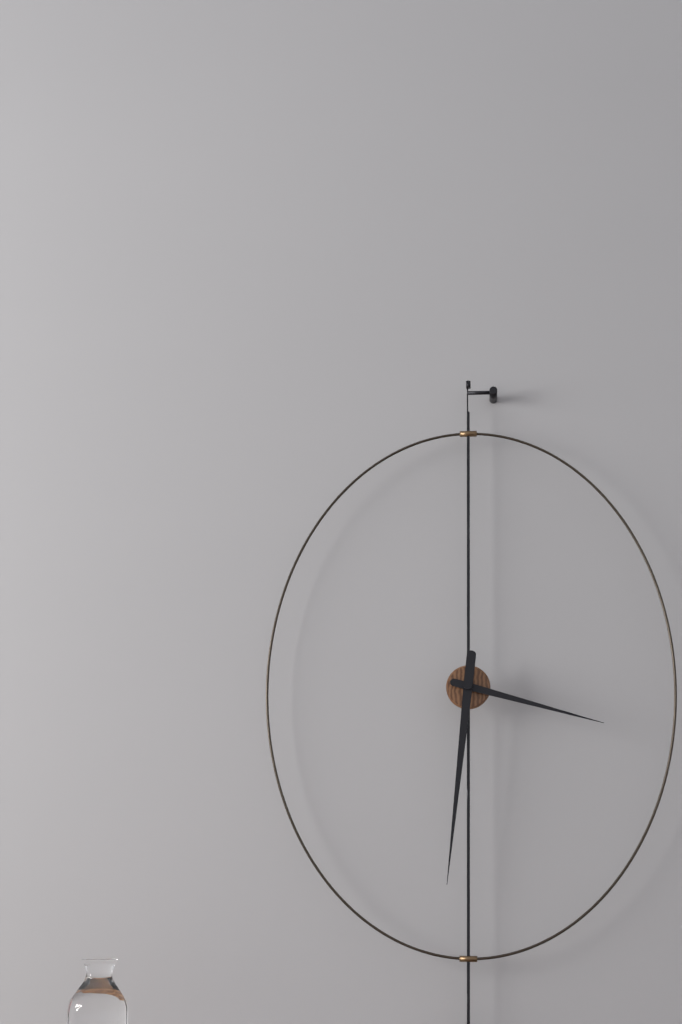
{"hour": 3, "minute": 31}
